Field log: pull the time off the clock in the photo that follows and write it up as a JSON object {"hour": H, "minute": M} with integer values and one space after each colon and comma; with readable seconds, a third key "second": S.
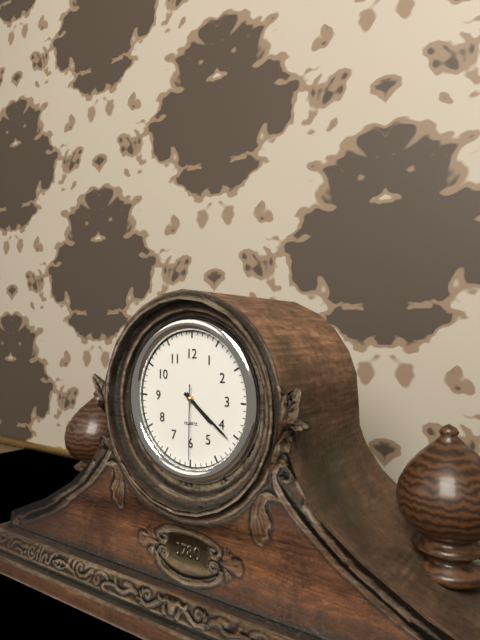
{"hour": 4, "minute": 21, "second": 30}
